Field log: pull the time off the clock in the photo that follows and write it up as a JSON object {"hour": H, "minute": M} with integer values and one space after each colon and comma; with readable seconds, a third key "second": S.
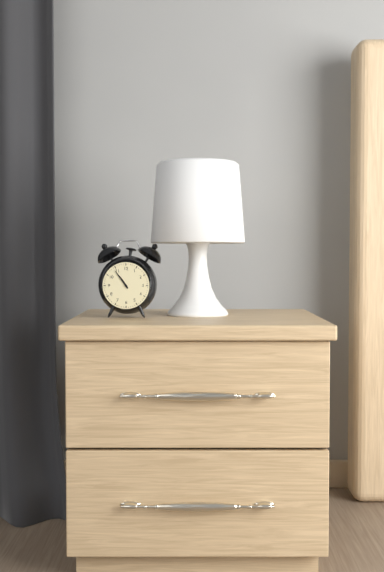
{"hour": 10, "minute": 54}
